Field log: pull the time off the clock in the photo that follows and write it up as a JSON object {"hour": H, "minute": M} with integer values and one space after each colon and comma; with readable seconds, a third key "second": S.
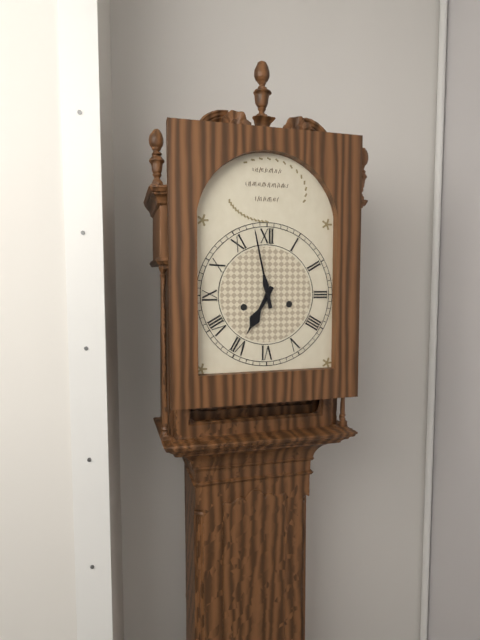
{"hour": 6, "minute": 58}
